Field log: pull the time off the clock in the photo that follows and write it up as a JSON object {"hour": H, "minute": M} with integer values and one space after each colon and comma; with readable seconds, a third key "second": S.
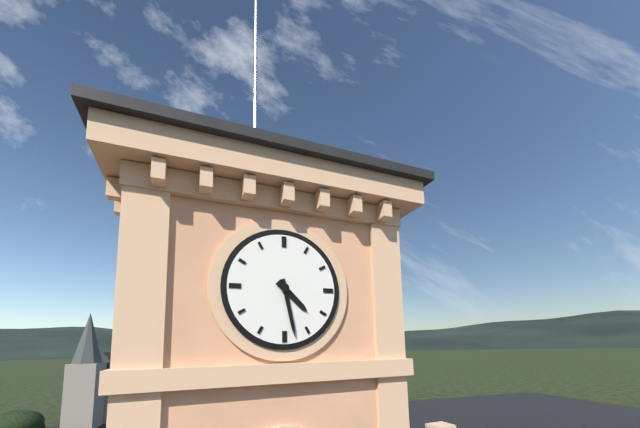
{"hour": 4, "minute": 28}
